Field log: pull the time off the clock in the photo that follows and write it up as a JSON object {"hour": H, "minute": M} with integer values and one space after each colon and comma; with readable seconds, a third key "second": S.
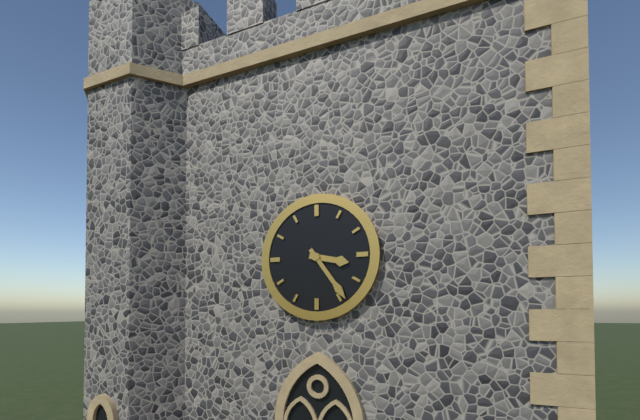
{"hour": 3, "minute": 24}
